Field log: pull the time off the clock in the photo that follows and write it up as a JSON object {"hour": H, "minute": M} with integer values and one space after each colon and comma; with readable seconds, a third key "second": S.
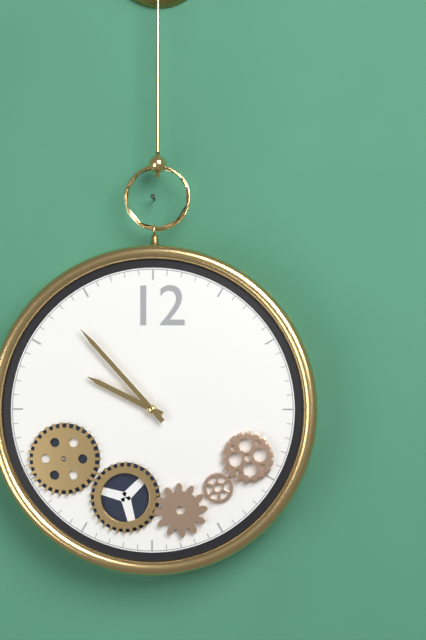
{"hour": 9, "minute": 53}
